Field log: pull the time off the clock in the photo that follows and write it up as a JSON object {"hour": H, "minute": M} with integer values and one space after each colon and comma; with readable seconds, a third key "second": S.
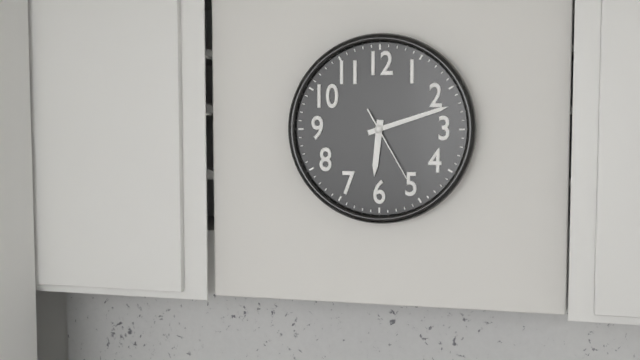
{"hour": 6, "minute": 12, "second": 25}
